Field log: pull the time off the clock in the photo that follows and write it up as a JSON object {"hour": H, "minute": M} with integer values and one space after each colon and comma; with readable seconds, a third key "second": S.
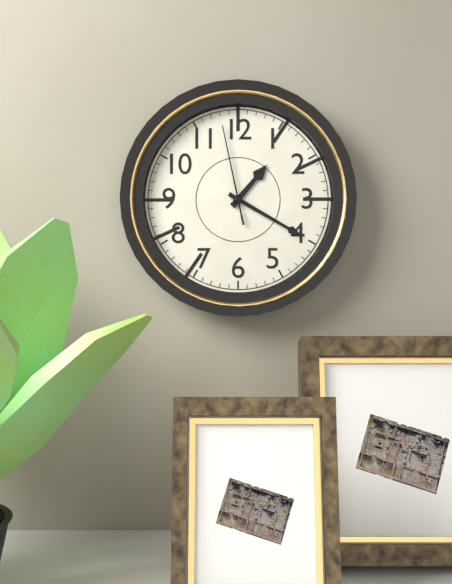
{"hour": 1, "minute": 20, "second": 58}
